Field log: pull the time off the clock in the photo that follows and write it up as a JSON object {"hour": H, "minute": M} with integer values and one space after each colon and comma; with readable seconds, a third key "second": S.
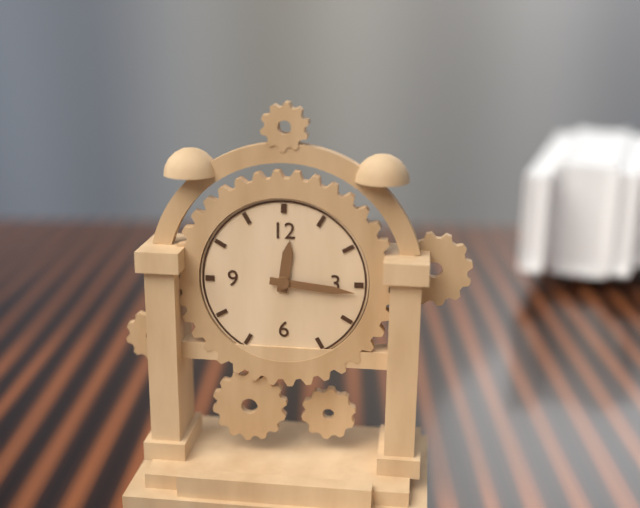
{"hour": 12, "minute": 16}
